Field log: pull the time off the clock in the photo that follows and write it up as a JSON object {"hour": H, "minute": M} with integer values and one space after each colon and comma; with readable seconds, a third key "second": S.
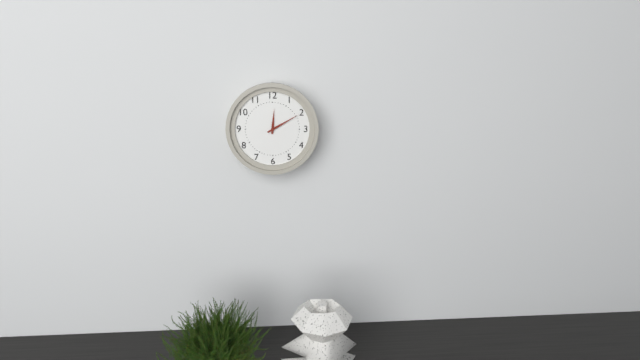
{"hour": 12, "minute": 10}
